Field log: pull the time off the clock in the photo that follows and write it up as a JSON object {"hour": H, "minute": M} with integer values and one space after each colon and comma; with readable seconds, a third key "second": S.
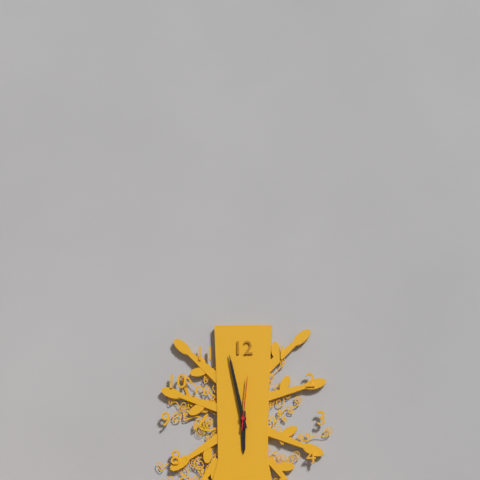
{"hour": 5, "minute": 58, "second": 1}
